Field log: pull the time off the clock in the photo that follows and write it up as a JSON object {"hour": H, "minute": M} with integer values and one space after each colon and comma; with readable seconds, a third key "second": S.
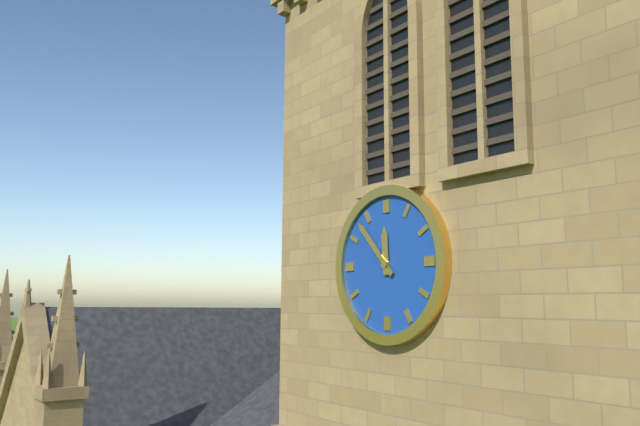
{"hour": 11, "minute": 53}
